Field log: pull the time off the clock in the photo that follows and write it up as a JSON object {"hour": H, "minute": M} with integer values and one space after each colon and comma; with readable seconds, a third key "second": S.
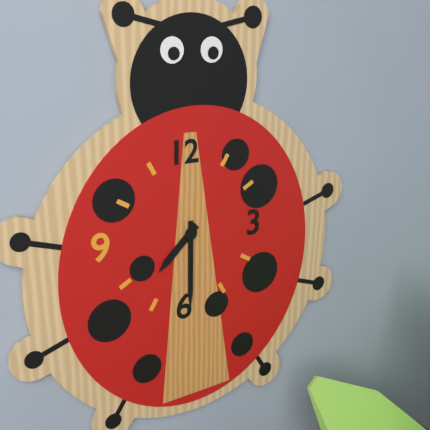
{"hour": 7, "minute": 30}
